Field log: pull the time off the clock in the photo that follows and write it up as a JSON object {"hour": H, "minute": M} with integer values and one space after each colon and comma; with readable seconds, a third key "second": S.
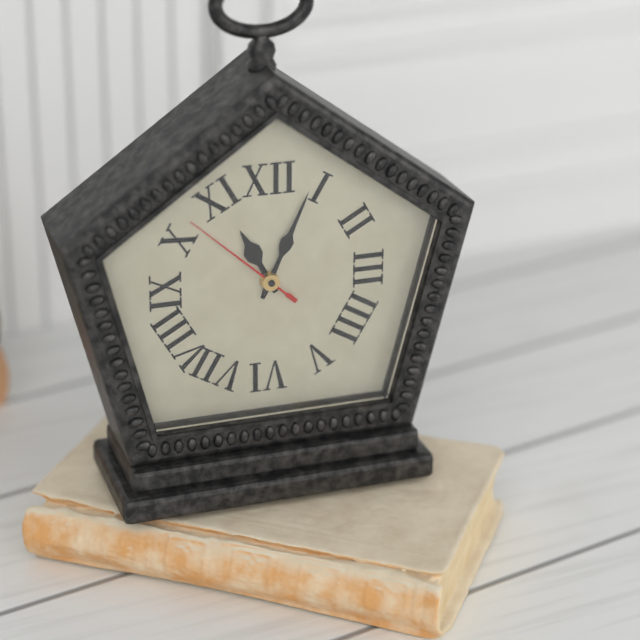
{"hour": 11, "minute": 4, "second": 52}
